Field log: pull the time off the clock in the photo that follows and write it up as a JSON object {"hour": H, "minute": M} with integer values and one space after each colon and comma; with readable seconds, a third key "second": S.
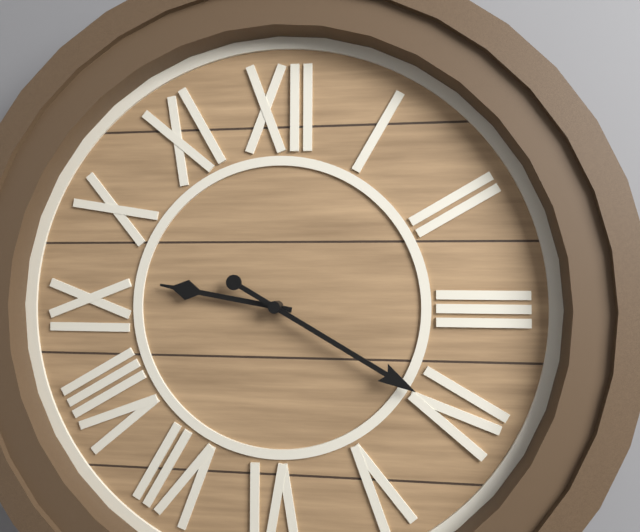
{"hour": 9, "minute": 20}
